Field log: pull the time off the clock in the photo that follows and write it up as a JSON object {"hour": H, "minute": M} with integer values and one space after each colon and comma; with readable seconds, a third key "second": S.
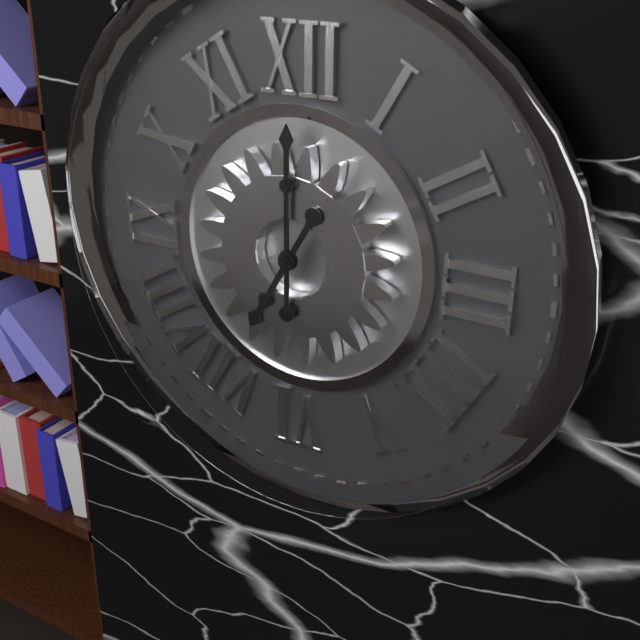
{"hour": 7, "minute": 0}
